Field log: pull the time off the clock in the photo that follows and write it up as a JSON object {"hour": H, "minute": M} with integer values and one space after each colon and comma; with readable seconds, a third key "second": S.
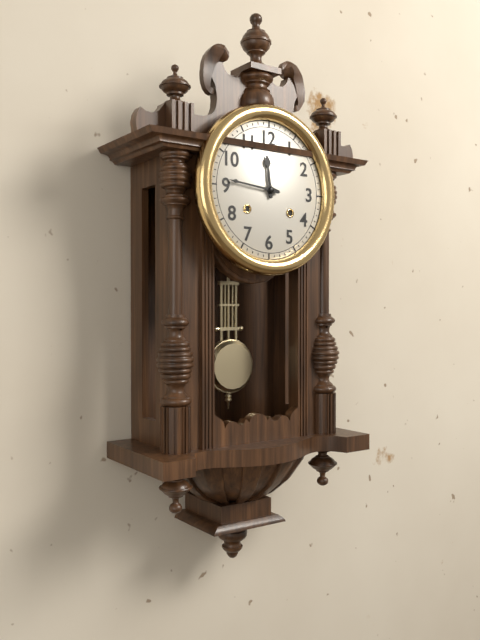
{"hour": 11, "minute": 46}
